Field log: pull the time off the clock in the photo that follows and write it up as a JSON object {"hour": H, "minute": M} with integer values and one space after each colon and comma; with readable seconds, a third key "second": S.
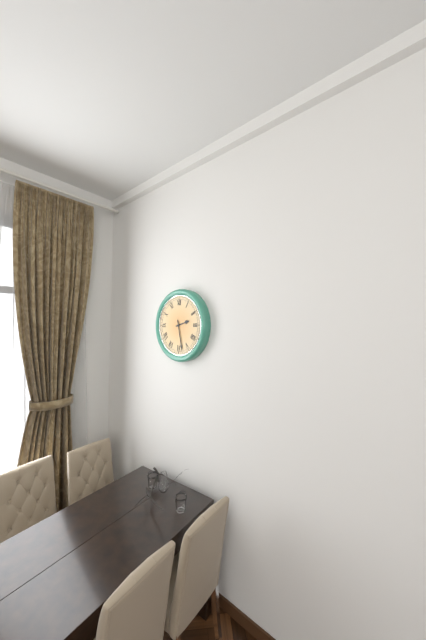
{"hour": 2, "minute": 28}
